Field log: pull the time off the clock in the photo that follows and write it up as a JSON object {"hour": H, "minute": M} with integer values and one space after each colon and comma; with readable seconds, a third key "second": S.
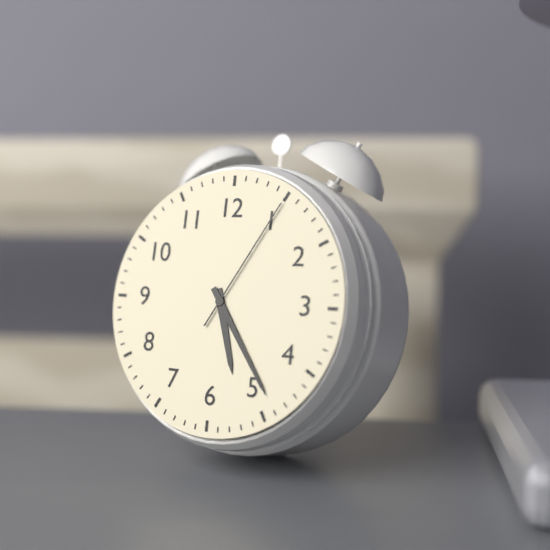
{"hour": 5, "minute": 24, "second": 5}
